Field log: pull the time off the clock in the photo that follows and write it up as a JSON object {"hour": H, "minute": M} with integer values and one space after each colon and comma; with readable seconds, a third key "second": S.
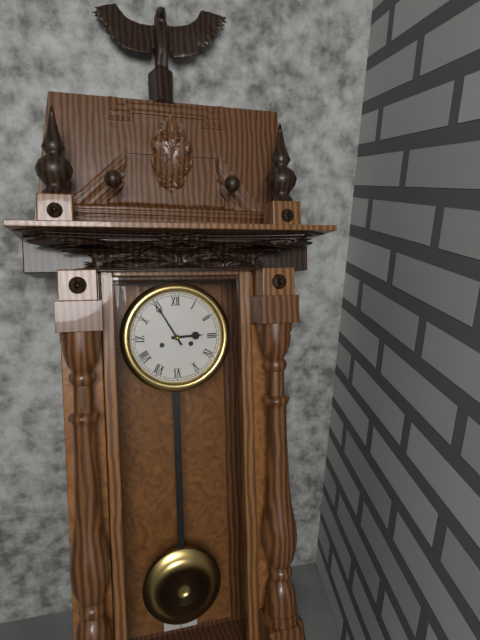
{"hour": 2, "minute": 55}
